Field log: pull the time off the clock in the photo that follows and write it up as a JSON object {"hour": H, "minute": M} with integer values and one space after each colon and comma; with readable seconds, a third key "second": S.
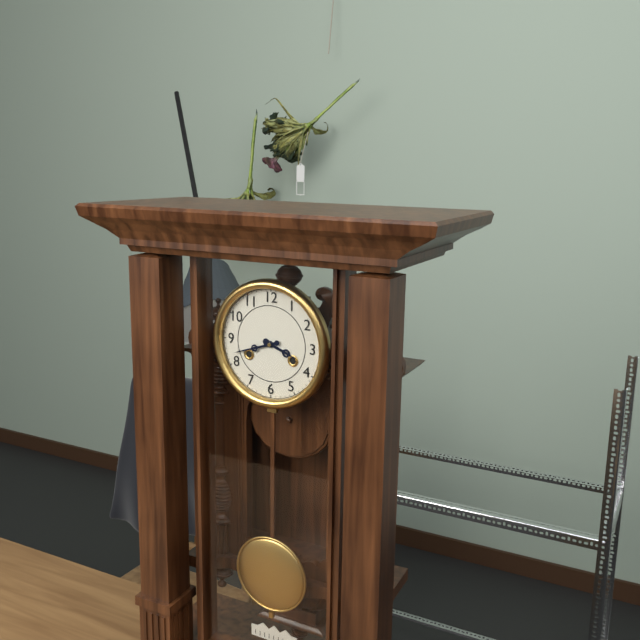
{"hour": 3, "minute": 42}
